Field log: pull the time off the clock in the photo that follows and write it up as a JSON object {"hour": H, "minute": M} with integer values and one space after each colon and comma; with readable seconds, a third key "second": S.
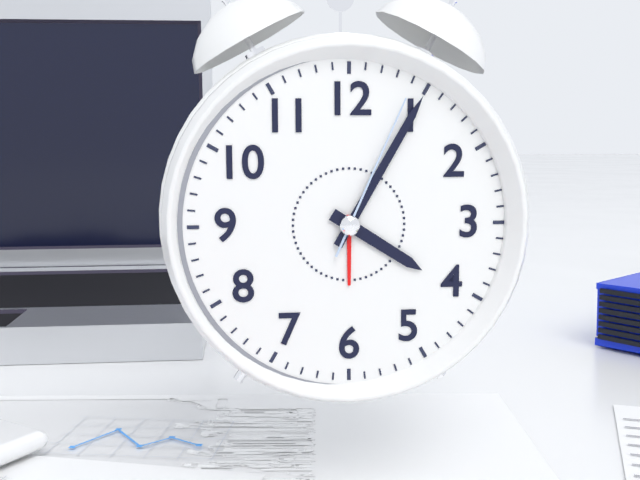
{"hour": 4, "minute": 5, "second": 4}
